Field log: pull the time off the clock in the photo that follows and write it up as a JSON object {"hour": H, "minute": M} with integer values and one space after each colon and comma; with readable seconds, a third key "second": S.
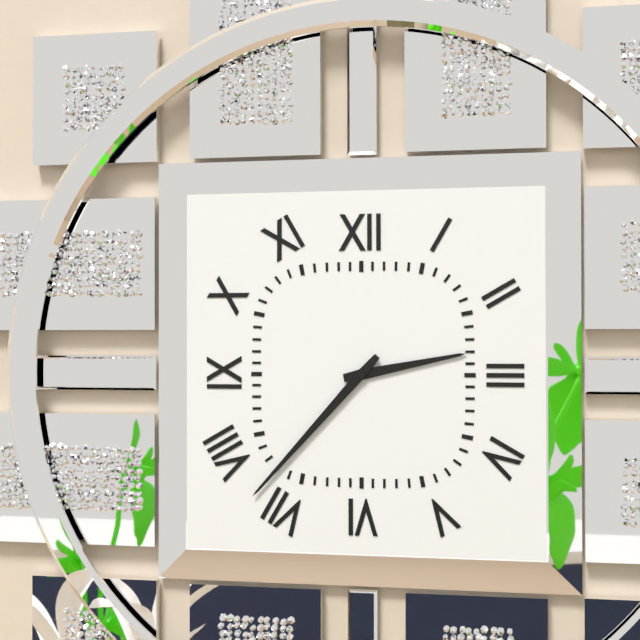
{"hour": 2, "minute": 37}
